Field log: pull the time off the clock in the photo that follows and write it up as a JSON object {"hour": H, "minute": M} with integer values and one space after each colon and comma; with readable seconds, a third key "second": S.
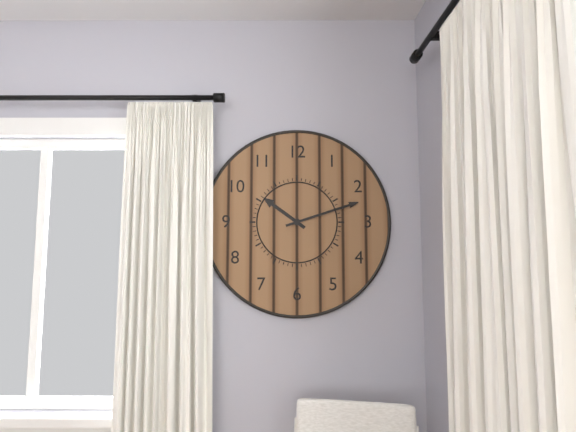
{"hour": 10, "minute": 12}
